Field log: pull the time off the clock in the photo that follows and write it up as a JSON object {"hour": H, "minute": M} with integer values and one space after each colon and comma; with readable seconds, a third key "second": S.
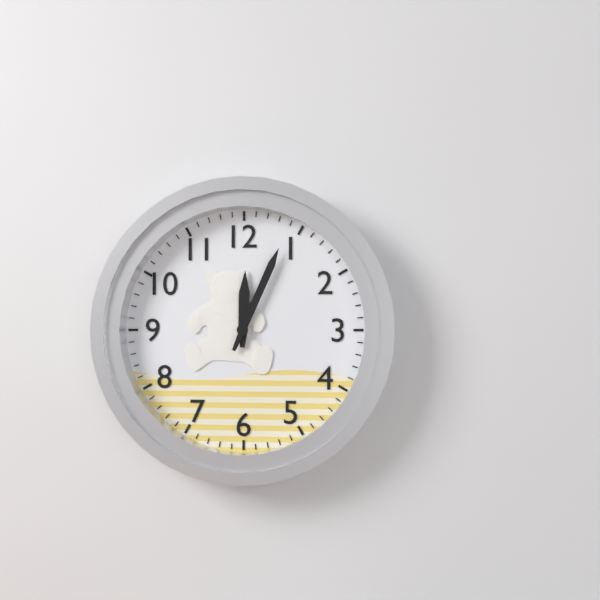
{"hour": 12, "minute": 4}
